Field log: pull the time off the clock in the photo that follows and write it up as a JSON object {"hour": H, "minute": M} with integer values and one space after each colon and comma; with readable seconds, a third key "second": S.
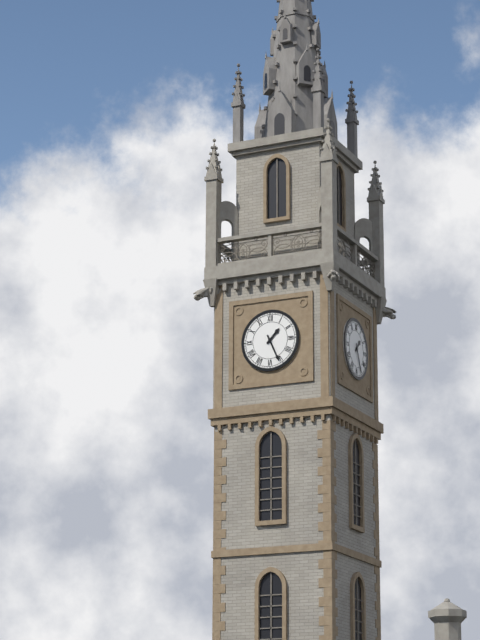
{"hour": 1, "minute": 26}
